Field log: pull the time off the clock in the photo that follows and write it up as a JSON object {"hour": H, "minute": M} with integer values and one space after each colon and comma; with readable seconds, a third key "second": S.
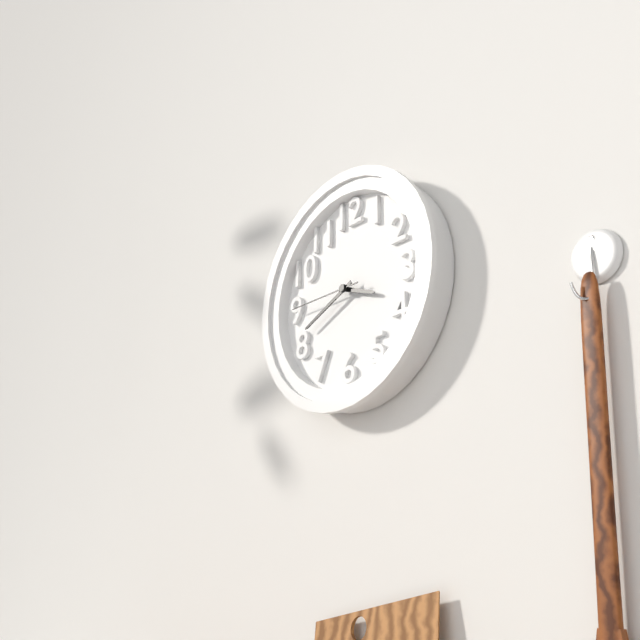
{"hour": 3, "minute": 41, "second": 45}
